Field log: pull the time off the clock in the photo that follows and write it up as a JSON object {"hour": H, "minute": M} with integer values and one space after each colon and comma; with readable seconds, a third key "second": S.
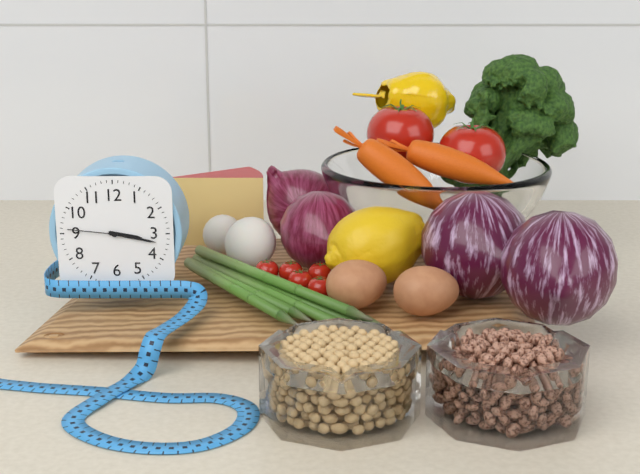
{"hour": 3, "minute": 17, "second": 46}
